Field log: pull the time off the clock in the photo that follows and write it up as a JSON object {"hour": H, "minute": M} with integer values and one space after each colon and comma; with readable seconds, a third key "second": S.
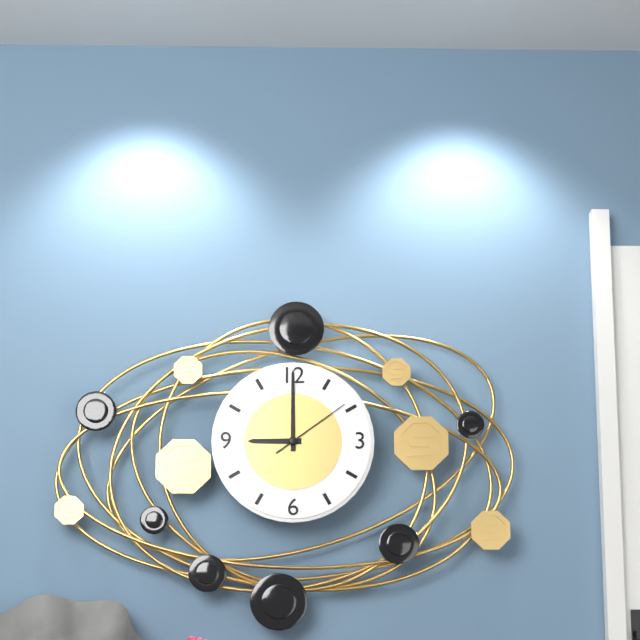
{"hour": 9, "minute": 0, "second": 9}
